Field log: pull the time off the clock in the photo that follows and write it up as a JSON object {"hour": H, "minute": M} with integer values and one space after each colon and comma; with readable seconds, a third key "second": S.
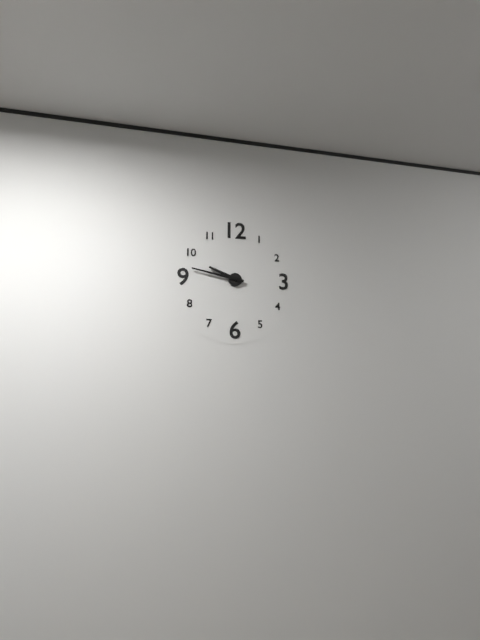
{"hour": 9, "minute": 47}
